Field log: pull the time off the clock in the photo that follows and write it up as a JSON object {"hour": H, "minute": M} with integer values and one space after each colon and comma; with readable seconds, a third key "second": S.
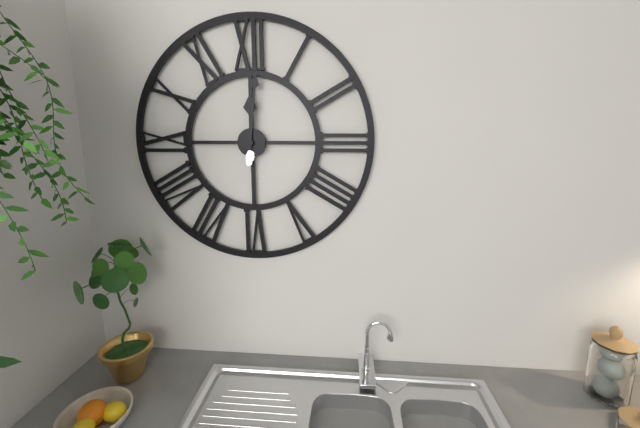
{"hour": 12, "minute": 1}
